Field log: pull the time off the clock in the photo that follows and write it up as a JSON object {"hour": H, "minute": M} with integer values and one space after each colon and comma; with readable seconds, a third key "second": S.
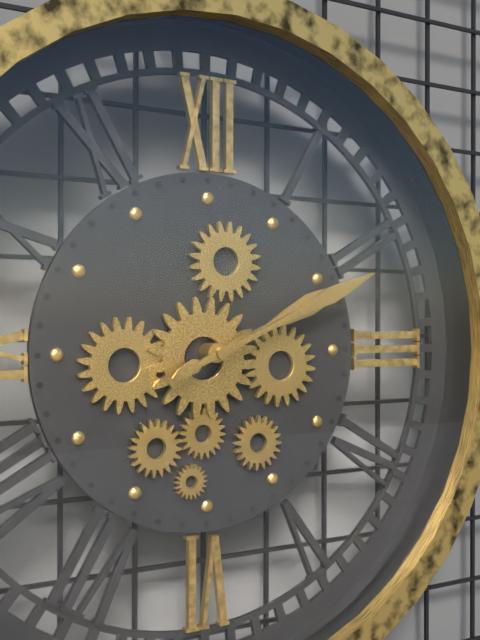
{"hour": 2, "minute": 11}
